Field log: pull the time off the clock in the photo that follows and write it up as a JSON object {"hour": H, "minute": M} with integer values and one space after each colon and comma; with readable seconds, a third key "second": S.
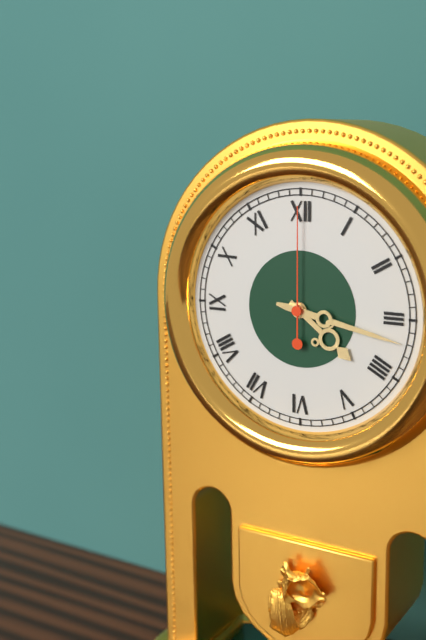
{"hour": 4, "minute": 17, "second": 0}
